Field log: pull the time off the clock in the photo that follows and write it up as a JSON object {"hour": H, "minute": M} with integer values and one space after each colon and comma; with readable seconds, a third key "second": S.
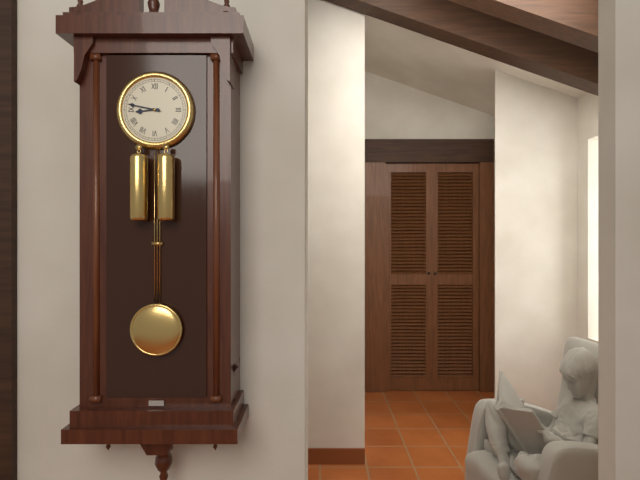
{"hour": 8, "minute": 47}
